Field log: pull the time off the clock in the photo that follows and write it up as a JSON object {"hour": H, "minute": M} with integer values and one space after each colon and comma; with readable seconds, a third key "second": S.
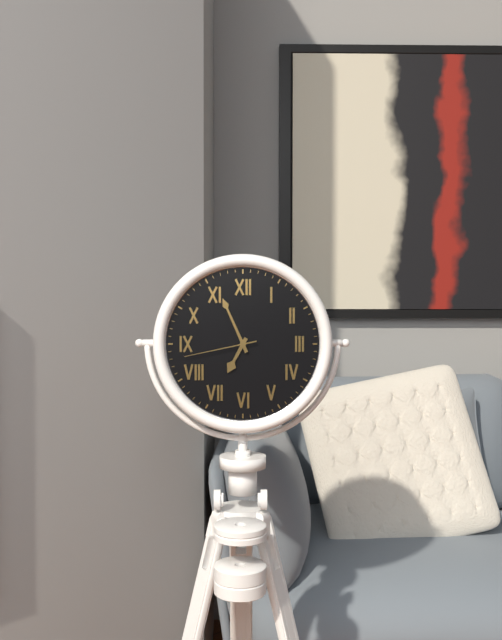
{"hour": 6, "minute": 56, "second": 43}
